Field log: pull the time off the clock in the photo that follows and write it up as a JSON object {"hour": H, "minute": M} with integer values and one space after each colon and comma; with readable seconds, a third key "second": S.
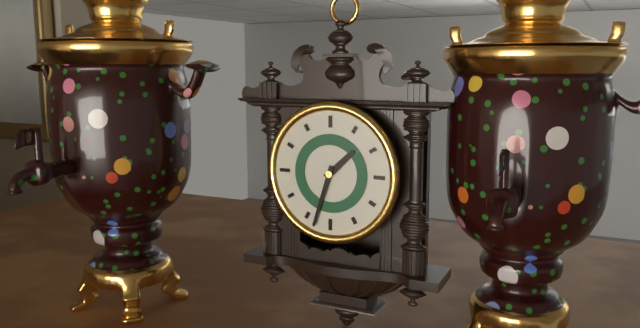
{"hour": 1, "minute": 33}
